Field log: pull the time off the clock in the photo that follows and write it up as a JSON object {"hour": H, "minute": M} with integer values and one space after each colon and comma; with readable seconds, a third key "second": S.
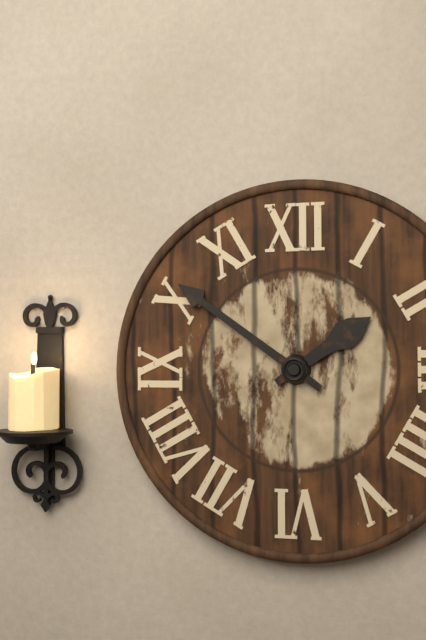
{"hour": 1, "minute": 51}
